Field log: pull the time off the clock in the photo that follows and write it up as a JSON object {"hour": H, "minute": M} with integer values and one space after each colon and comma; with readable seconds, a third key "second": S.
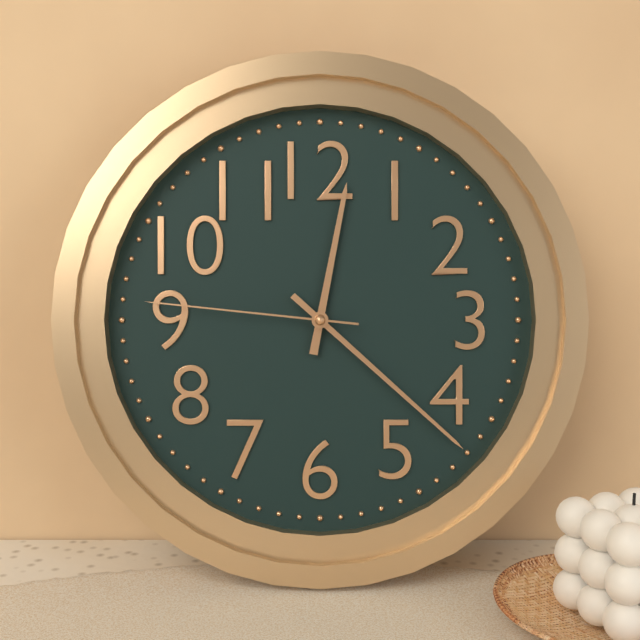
{"hour": 12, "minute": 22, "second": 46}
